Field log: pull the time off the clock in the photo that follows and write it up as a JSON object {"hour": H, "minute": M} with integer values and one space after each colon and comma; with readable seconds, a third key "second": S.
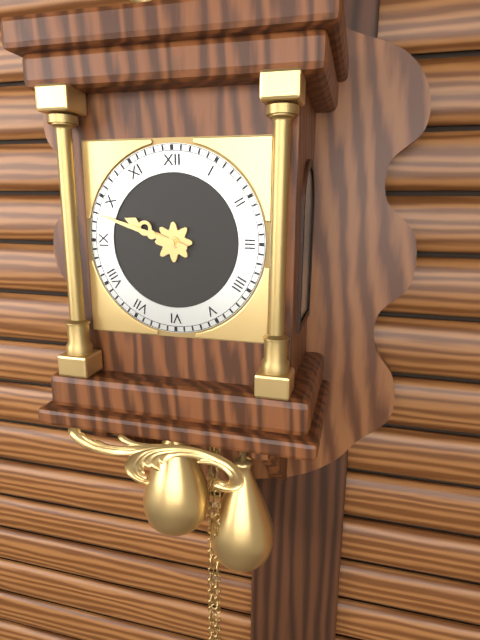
{"hour": 9, "minute": 48}
